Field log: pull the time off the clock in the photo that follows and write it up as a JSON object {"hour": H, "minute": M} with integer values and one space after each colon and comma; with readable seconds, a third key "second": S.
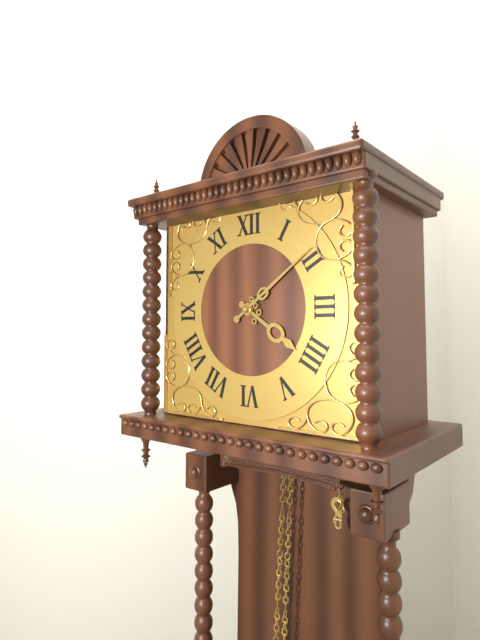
{"hour": 4, "minute": 9}
